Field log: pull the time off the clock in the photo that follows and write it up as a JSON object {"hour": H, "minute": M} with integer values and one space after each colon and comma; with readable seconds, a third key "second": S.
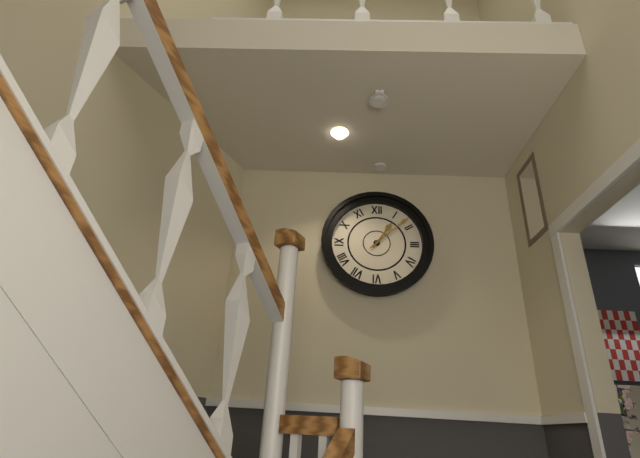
{"hour": 1, "minute": 8}
